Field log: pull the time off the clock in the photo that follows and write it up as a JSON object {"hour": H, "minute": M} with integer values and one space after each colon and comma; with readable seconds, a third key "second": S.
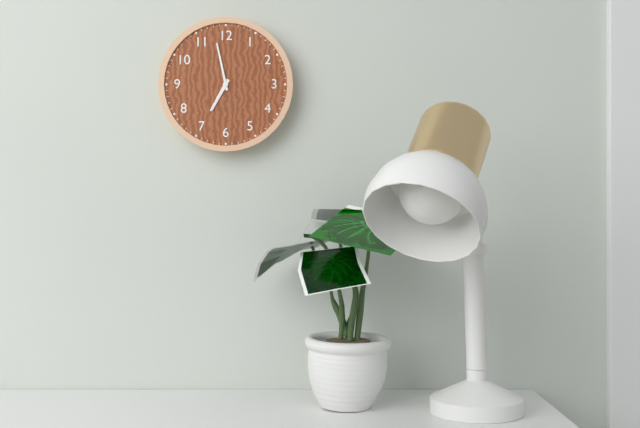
{"hour": 6, "minute": 58}
